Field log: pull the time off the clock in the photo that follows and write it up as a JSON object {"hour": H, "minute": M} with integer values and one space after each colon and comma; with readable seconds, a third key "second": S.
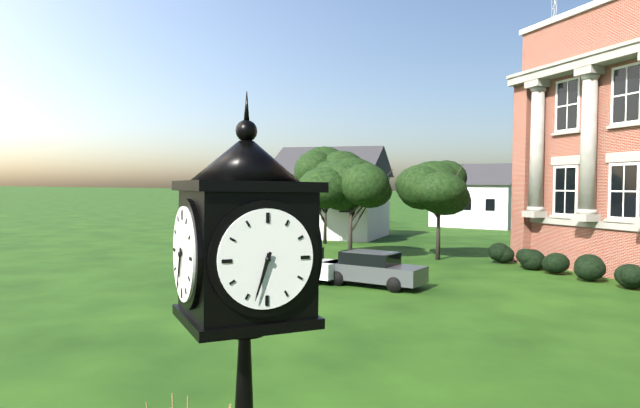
{"hour": 6, "minute": 33}
